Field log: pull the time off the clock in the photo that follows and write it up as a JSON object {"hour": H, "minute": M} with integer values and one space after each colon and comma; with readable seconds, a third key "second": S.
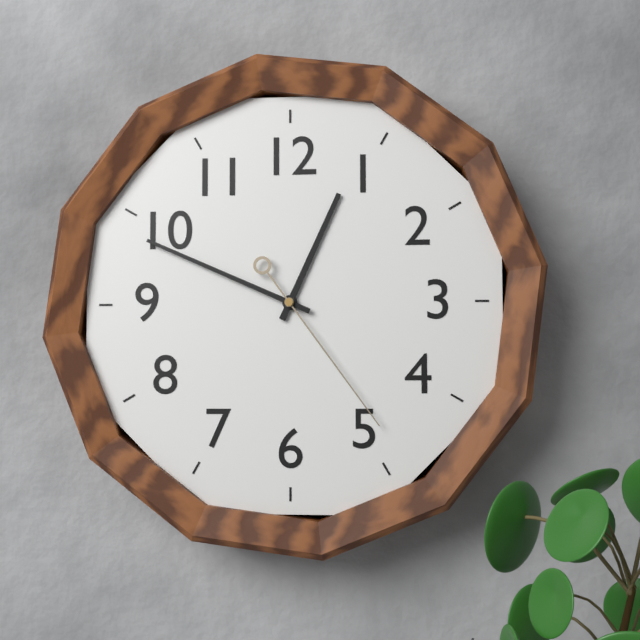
{"hour": 12, "minute": 49, "second": 24}
